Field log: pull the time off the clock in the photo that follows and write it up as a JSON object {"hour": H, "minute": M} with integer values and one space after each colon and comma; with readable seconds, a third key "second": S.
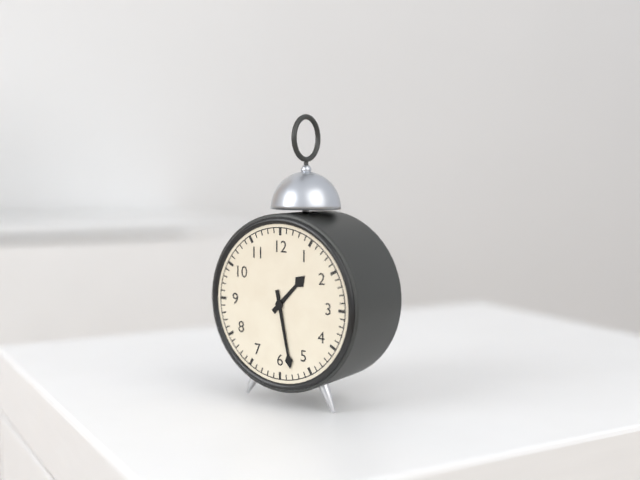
{"hour": 1, "minute": 28}
